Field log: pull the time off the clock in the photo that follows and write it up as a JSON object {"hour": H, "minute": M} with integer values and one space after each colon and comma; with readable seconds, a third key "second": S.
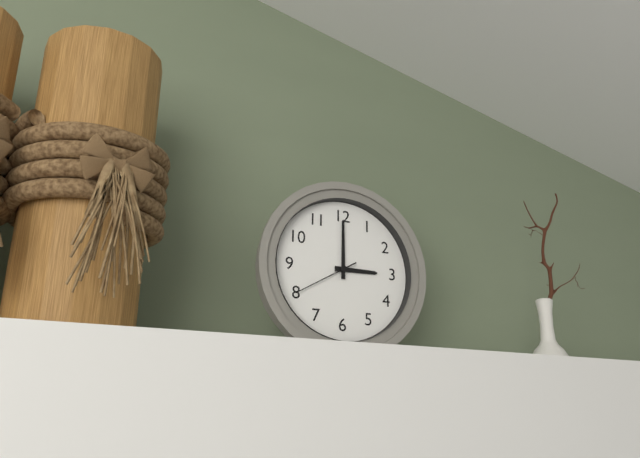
{"hour": 3, "minute": 0, "second": 40}
